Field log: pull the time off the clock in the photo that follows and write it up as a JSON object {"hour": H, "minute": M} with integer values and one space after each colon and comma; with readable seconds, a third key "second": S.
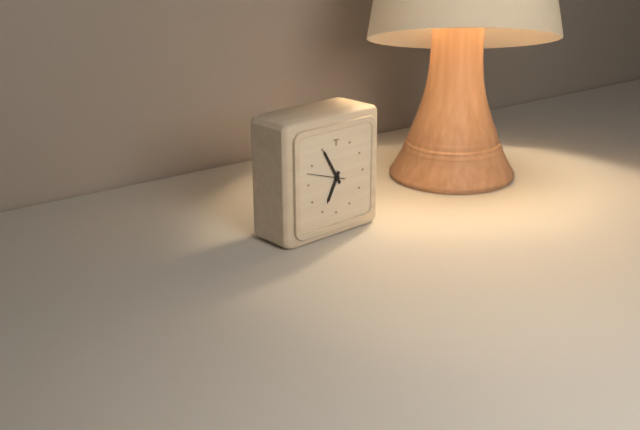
{"hour": 6, "minute": 55}
